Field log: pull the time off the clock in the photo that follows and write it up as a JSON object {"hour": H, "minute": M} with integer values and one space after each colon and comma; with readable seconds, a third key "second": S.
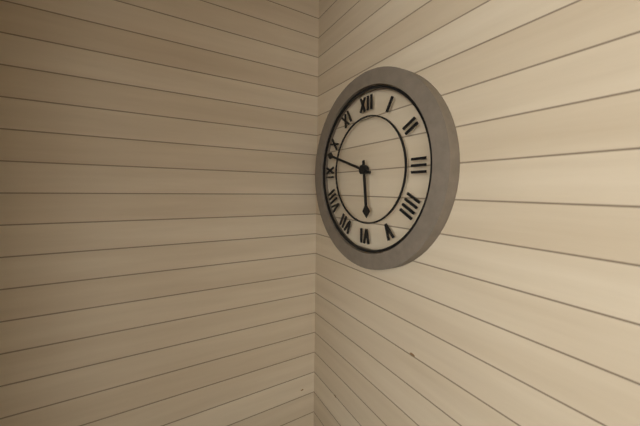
{"hour": 5, "minute": 48}
